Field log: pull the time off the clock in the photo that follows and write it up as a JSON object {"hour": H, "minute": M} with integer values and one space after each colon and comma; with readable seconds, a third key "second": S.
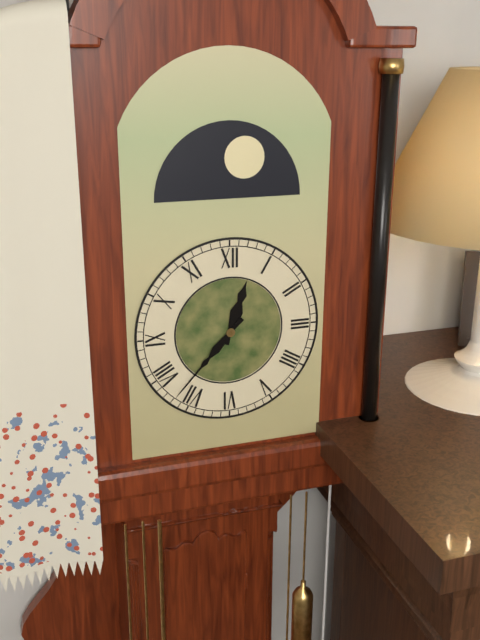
{"hour": 12, "minute": 37}
